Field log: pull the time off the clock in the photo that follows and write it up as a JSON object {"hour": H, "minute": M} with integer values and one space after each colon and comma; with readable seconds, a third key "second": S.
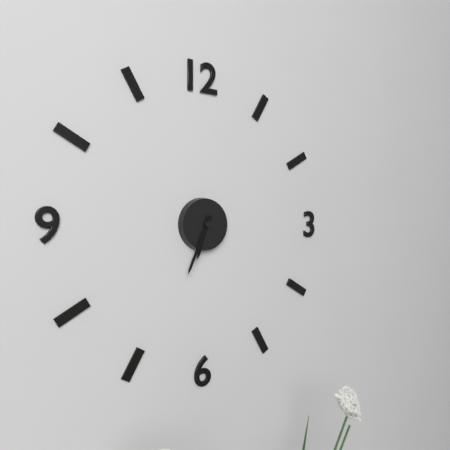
{"hour": 6, "minute": 34}
